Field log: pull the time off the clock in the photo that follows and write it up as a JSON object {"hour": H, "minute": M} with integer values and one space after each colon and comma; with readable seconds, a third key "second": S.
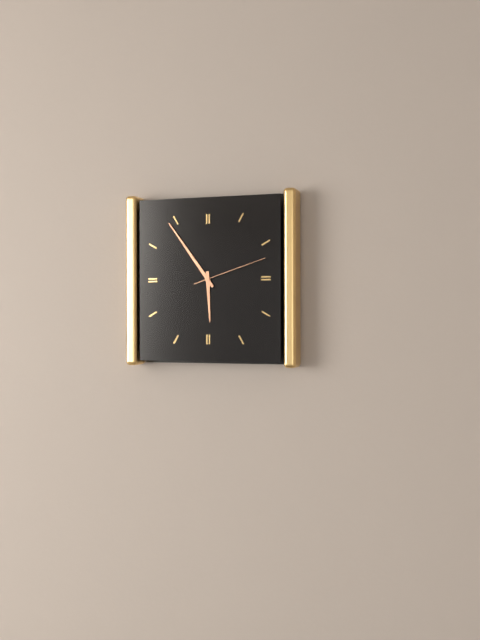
{"hour": 5, "minute": 54, "second": 12}
